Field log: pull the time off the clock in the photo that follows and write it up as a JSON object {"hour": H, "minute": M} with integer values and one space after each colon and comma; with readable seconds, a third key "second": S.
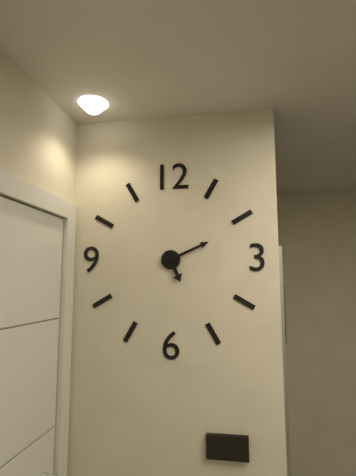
{"hour": 5, "minute": 11}
